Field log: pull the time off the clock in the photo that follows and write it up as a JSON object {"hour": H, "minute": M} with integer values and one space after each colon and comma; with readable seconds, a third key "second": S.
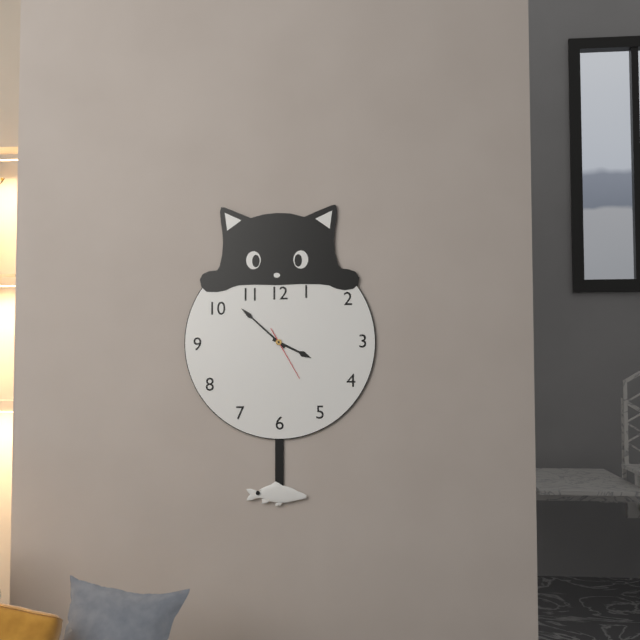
{"hour": 3, "minute": 52, "second": 25}
